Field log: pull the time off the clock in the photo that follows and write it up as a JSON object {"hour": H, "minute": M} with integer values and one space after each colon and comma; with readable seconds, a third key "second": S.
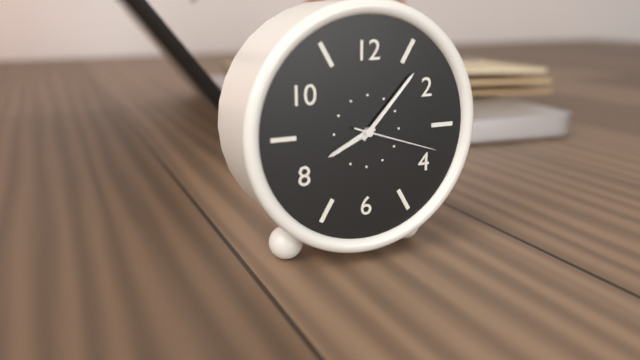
{"hour": 8, "minute": 7, "second": 18}
